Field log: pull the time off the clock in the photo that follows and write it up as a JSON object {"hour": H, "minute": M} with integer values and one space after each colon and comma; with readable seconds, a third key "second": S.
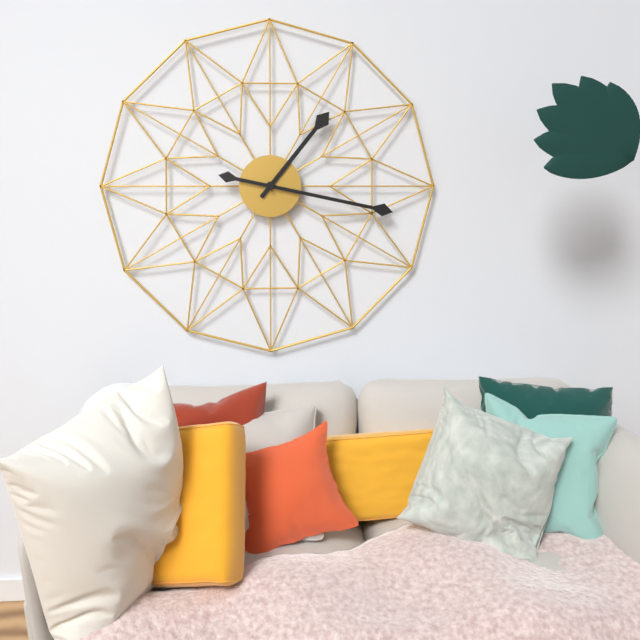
{"hour": 1, "minute": 17}
